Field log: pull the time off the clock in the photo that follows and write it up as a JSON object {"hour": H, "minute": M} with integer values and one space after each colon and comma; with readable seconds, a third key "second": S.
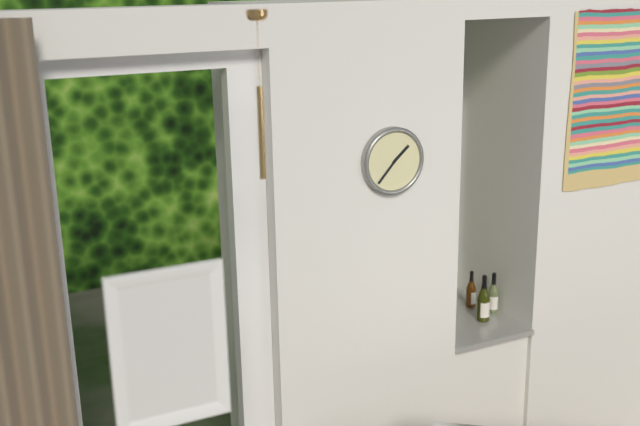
{"hour": 1, "minute": 37}
